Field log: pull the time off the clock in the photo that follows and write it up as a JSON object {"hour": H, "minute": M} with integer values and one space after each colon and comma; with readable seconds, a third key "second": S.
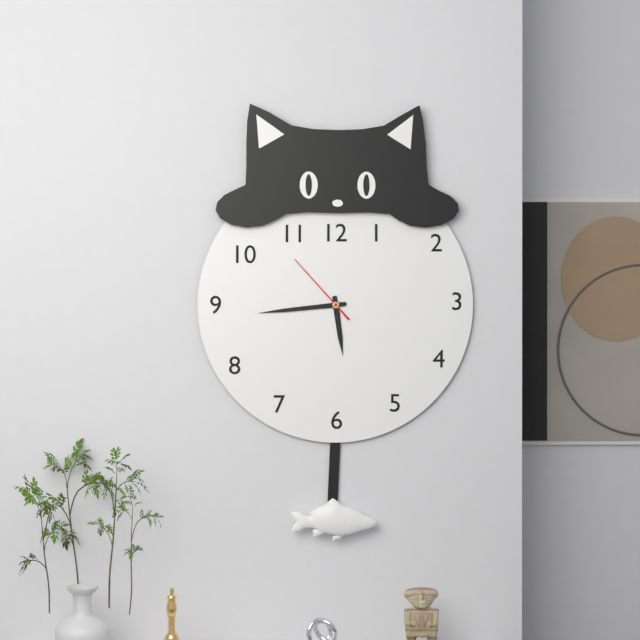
{"hour": 5, "minute": 44, "second": 53}
